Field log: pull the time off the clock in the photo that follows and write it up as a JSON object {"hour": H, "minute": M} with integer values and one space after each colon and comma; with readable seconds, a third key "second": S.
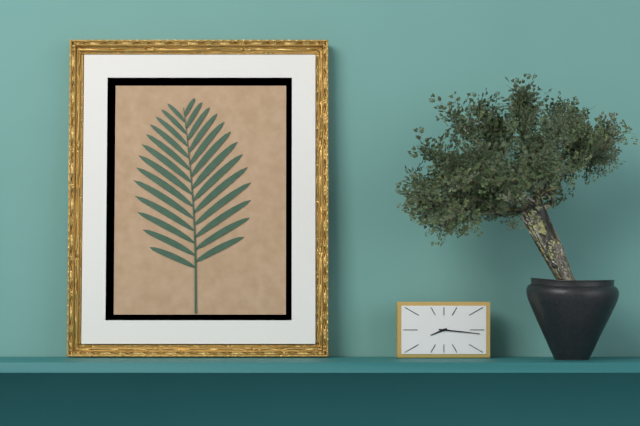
{"hour": 8, "minute": 16}
